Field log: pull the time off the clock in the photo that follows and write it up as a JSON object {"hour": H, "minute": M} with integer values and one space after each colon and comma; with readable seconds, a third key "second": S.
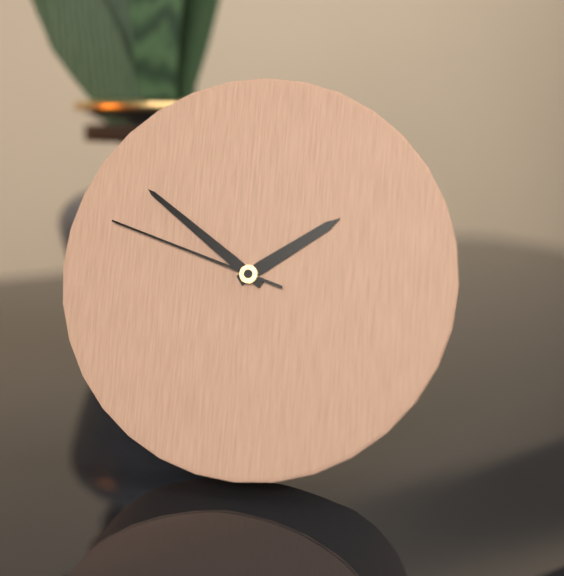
{"hour": 1, "minute": 51, "second": 48}
